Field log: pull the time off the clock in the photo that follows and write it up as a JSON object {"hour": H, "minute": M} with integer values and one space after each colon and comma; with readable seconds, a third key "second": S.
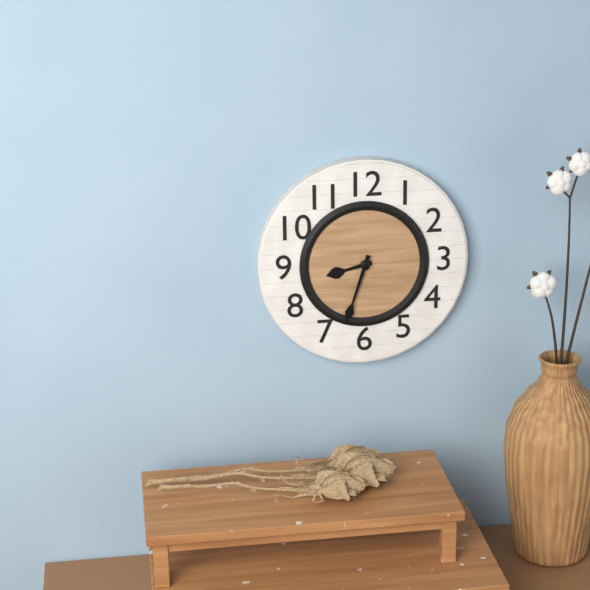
{"hour": 8, "minute": 33}
